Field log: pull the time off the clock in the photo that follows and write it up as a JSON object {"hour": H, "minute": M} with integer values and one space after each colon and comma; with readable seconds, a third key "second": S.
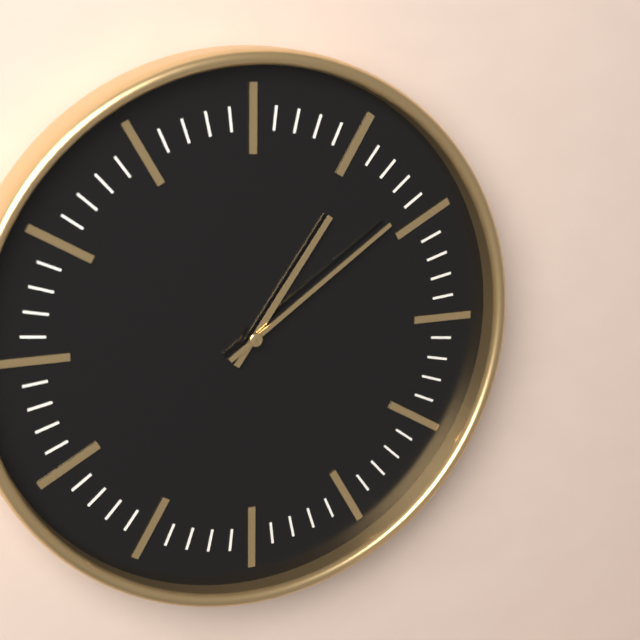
{"hour": 1, "minute": 9}
